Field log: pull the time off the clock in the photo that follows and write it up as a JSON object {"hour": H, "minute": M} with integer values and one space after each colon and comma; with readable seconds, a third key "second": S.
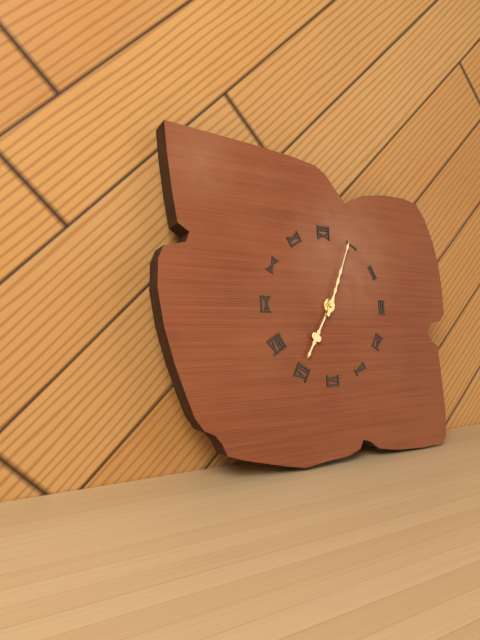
{"hour": 7, "minute": 4}
